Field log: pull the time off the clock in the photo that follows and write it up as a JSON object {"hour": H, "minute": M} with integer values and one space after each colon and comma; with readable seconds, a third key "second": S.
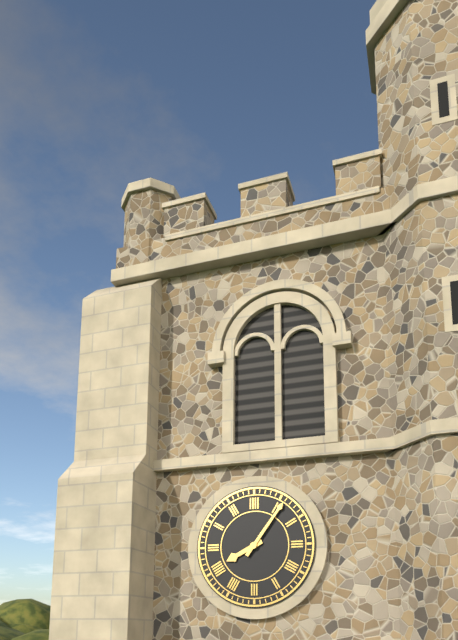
{"hour": 8, "minute": 6}
